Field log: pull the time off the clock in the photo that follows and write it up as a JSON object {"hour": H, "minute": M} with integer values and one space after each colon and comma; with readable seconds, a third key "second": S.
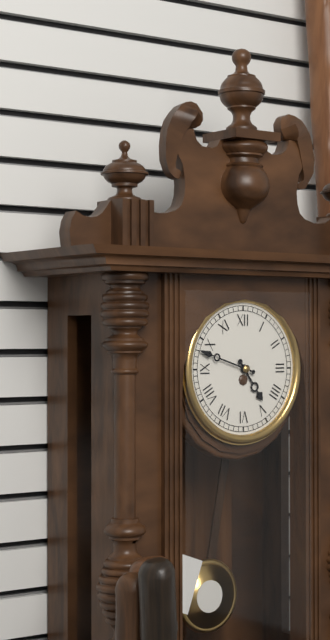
{"hour": 4, "minute": 48}
